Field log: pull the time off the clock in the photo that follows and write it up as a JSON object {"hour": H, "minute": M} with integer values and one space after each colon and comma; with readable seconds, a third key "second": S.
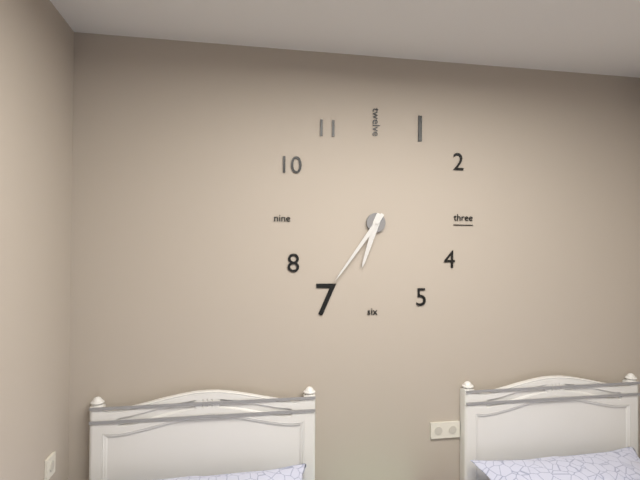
{"hour": 6, "minute": 36}
